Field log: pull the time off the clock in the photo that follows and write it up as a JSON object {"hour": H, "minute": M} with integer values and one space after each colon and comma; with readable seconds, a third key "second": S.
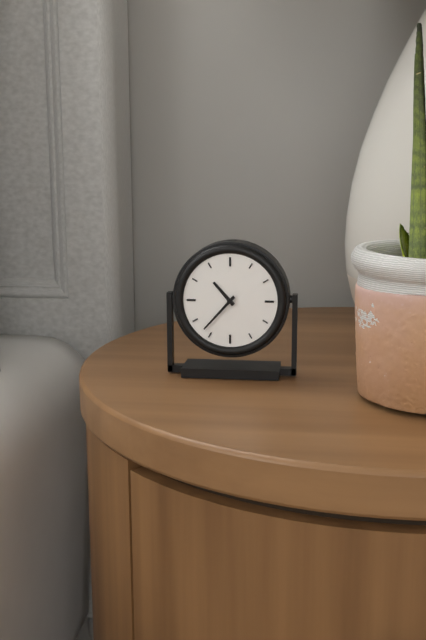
{"hour": 10, "minute": 37}
